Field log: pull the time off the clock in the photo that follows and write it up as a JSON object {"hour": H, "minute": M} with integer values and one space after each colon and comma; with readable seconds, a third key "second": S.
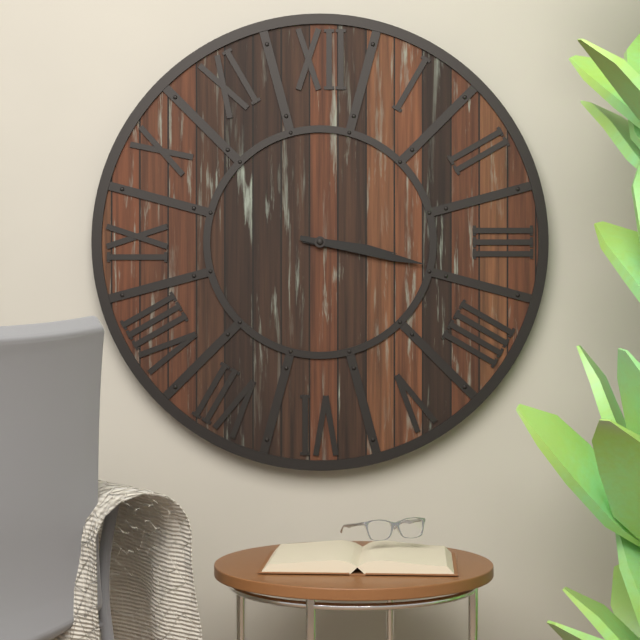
{"hour": 3, "minute": 17}
